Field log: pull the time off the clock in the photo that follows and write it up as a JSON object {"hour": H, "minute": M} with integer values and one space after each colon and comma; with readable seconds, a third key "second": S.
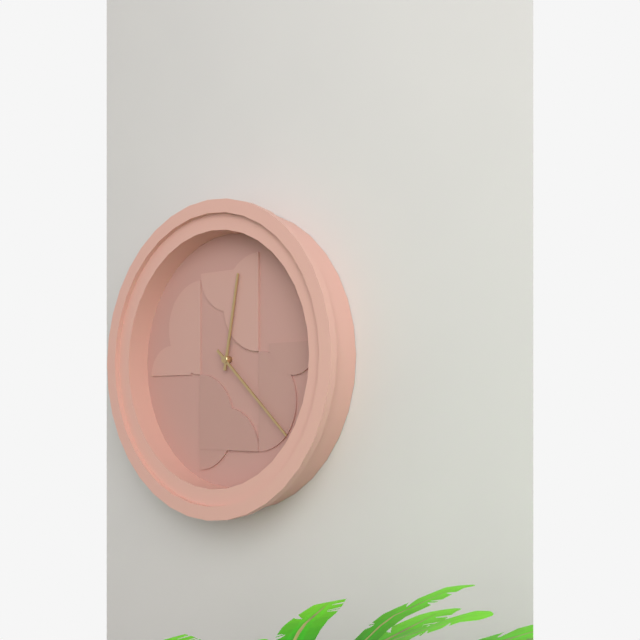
{"hour": 12, "minute": 22}
